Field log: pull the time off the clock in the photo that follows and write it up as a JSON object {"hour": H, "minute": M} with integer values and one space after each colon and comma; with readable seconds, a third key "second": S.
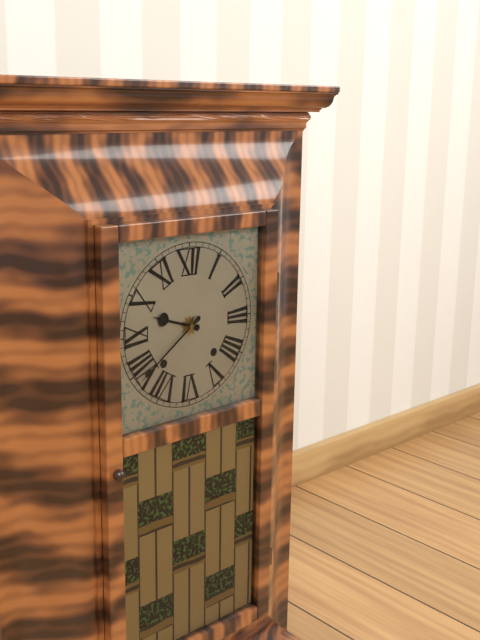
{"hour": 9, "minute": 39}
